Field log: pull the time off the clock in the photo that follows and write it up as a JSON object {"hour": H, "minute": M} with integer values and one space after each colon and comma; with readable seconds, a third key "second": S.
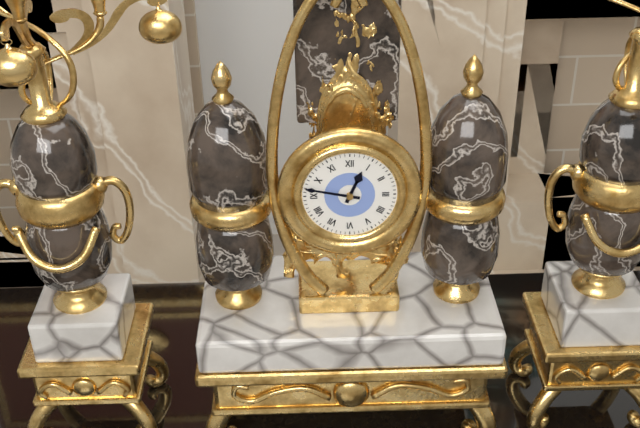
{"hour": 12, "minute": 47}
